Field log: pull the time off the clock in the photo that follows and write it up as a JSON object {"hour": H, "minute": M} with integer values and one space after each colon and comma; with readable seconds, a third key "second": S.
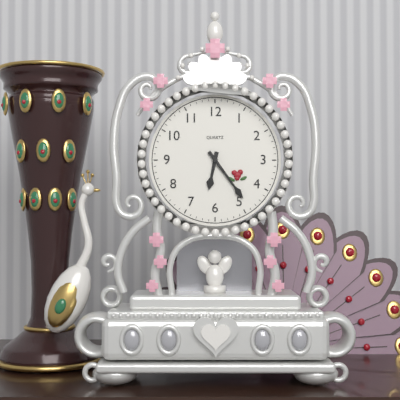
{"hour": 6, "minute": 24}
